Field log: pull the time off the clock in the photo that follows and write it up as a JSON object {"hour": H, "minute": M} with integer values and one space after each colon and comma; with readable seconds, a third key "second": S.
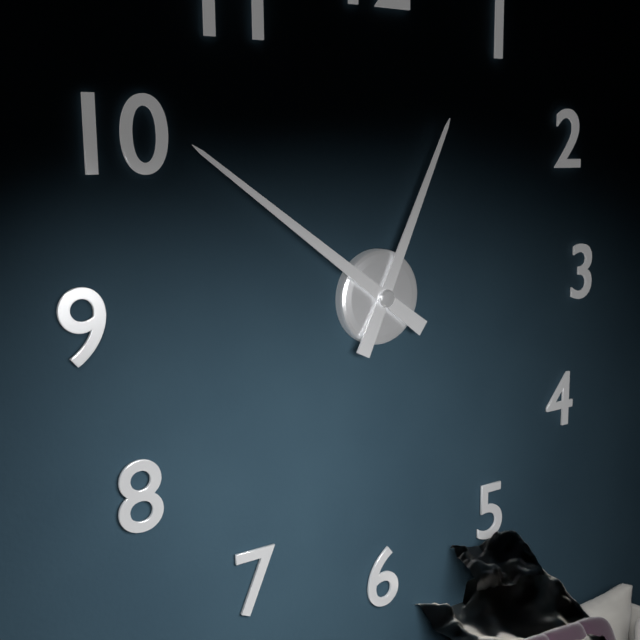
{"hour": 12, "minute": 51}
